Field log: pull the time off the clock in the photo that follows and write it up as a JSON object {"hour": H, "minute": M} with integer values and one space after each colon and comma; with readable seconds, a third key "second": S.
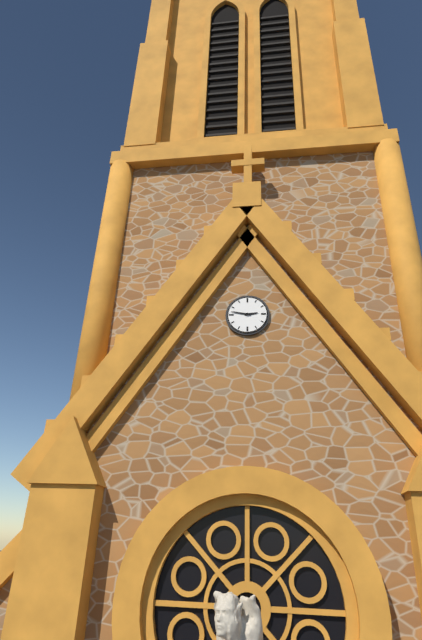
{"hour": 2, "minute": 47}
